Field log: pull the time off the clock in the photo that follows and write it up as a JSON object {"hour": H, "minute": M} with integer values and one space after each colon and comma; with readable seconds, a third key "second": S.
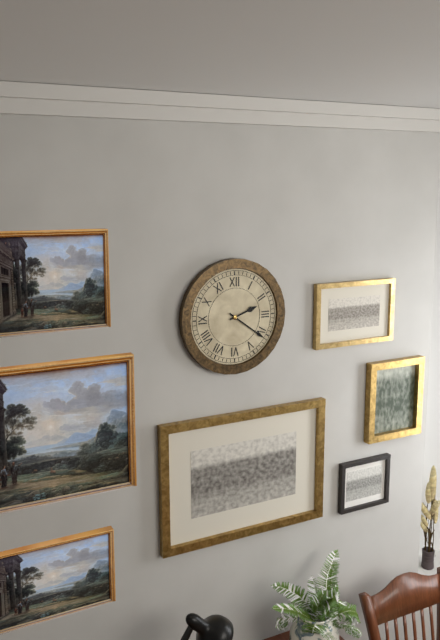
{"hour": 2, "minute": 21}
